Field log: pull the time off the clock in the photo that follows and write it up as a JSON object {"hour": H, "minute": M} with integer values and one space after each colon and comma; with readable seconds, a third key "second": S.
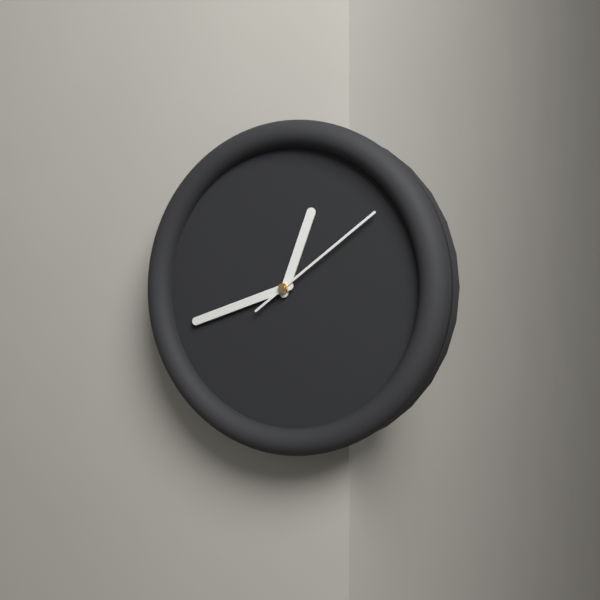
{"hour": 12, "minute": 42, "second": 9}
